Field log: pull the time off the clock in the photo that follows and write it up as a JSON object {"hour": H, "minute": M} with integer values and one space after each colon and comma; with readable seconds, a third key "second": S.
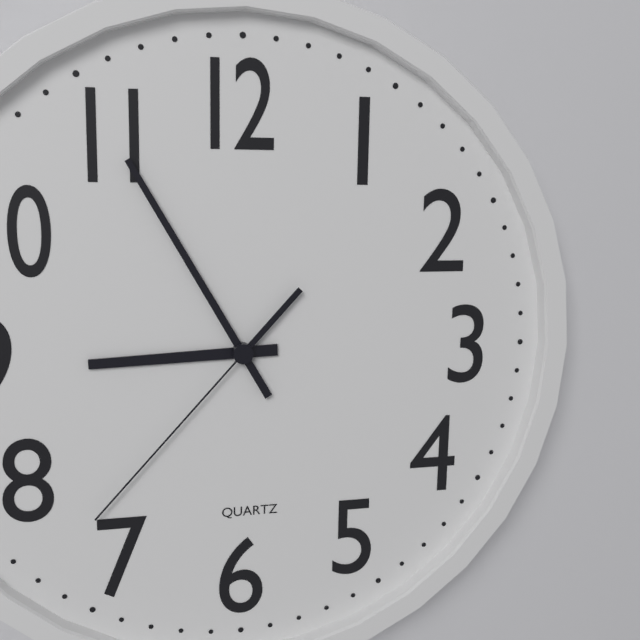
{"hour": 8, "minute": 55, "second": 37}
